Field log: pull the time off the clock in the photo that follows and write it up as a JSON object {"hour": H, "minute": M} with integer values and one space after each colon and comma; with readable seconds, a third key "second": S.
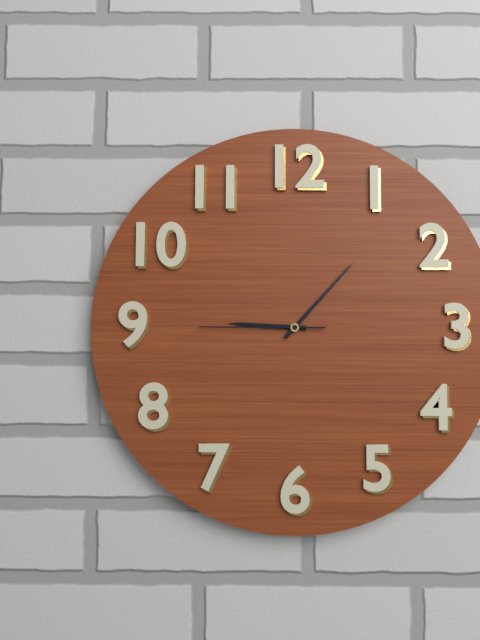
{"hour": 9, "minute": 7, "second": 45}
